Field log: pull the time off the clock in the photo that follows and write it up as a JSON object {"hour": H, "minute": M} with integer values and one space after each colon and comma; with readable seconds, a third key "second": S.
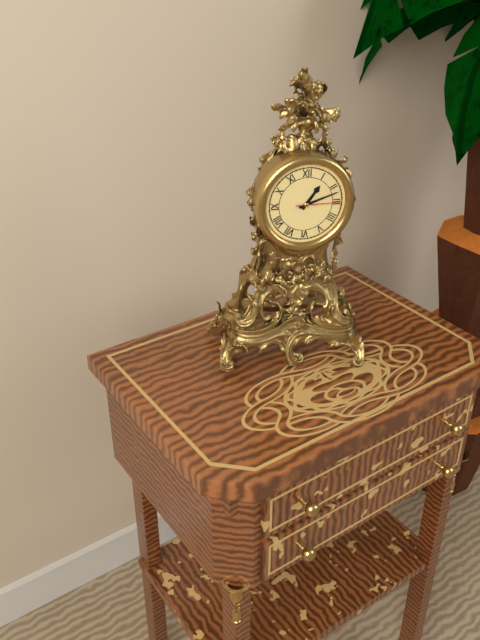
{"hour": 1, "minute": 12}
